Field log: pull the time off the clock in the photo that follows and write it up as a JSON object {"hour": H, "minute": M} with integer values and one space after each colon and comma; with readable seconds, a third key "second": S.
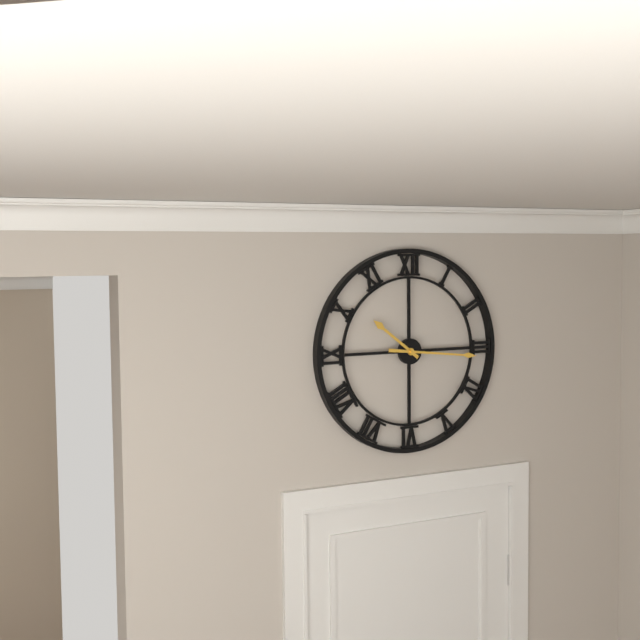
{"hour": 10, "minute": 16}
